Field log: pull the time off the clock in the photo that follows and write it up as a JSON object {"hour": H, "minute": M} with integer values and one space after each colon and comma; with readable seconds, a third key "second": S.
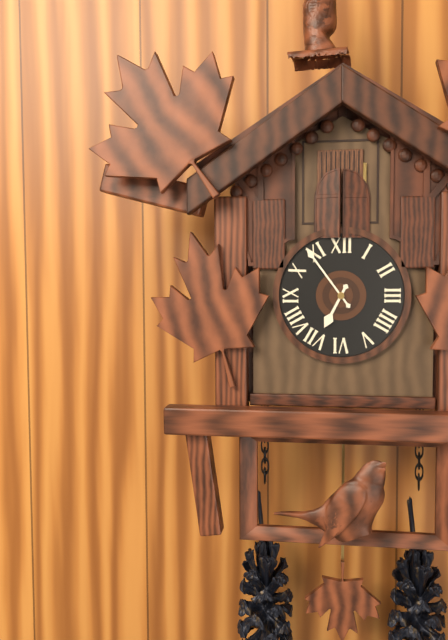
{"hour": 6, "minute": 54}
